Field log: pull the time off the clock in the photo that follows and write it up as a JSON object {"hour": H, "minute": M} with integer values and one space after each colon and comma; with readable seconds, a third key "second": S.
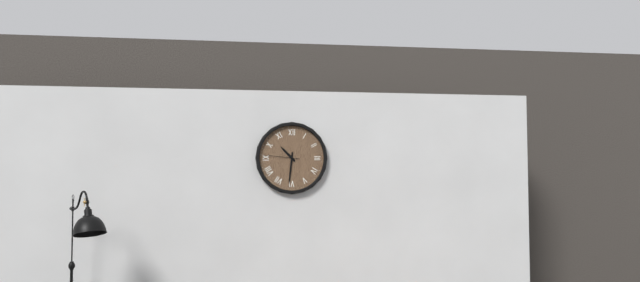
{"hour": 10, "minute": 31}
